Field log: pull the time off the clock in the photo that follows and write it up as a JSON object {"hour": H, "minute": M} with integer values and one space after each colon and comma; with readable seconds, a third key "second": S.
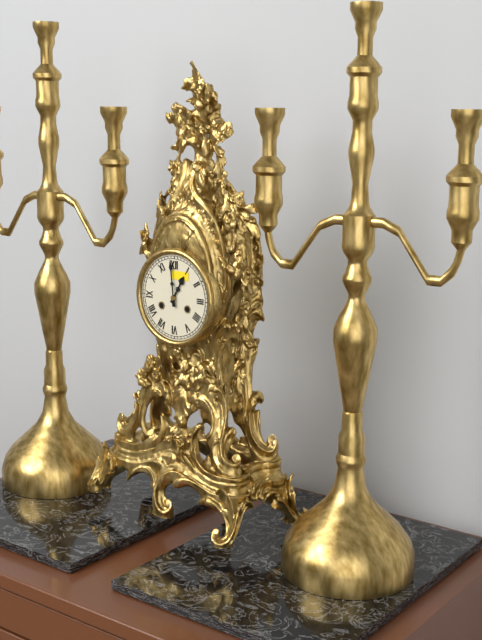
{"hour": 12, "minute": 59}
